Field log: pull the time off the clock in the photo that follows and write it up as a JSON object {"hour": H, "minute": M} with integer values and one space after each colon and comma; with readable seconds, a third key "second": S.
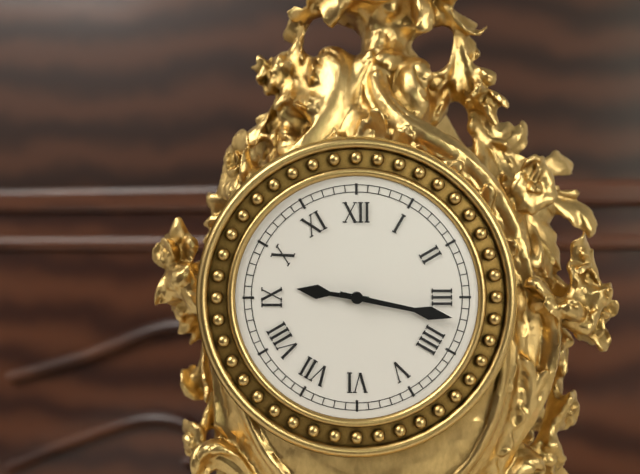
{"hour": 9, "minute": 17}
